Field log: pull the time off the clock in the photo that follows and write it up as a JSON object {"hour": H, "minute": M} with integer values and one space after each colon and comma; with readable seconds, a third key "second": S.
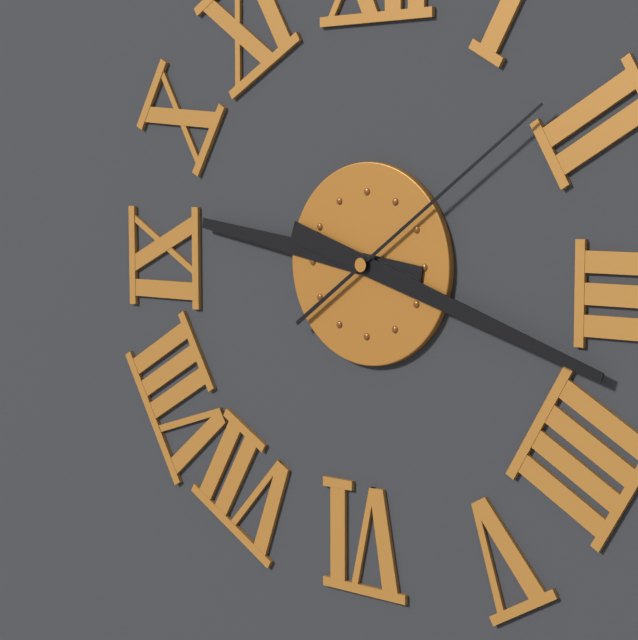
{"hour": 9, "minute": 18, "second": 9}
